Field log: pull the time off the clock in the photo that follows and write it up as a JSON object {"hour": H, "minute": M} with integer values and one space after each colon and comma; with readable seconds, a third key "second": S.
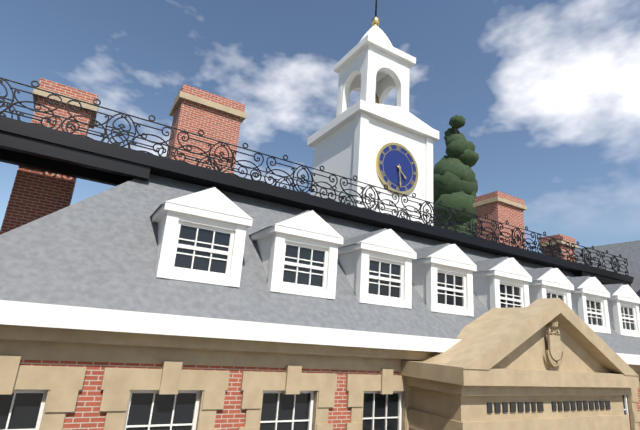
{"hour": 4, "minute": 29}
